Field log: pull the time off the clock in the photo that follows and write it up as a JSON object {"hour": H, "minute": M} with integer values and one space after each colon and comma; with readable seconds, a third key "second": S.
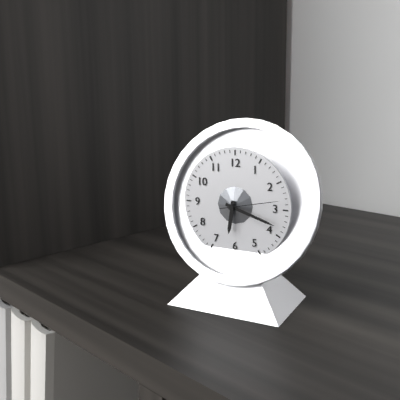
{"hour": 6, "minute": 18, "second": 13}
